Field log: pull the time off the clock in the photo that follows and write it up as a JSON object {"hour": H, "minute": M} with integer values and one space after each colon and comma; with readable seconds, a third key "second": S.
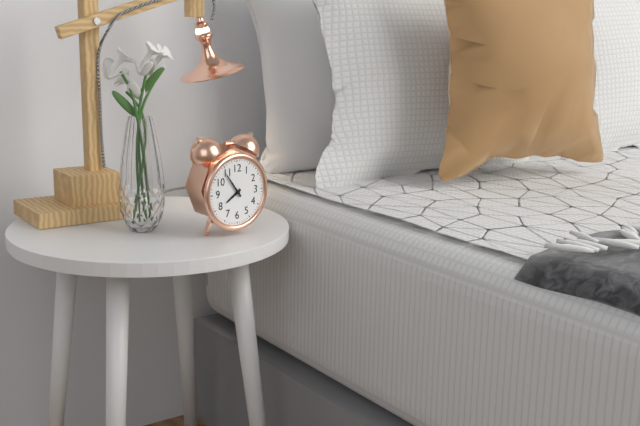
{"hour": 7, "minute": 54}
